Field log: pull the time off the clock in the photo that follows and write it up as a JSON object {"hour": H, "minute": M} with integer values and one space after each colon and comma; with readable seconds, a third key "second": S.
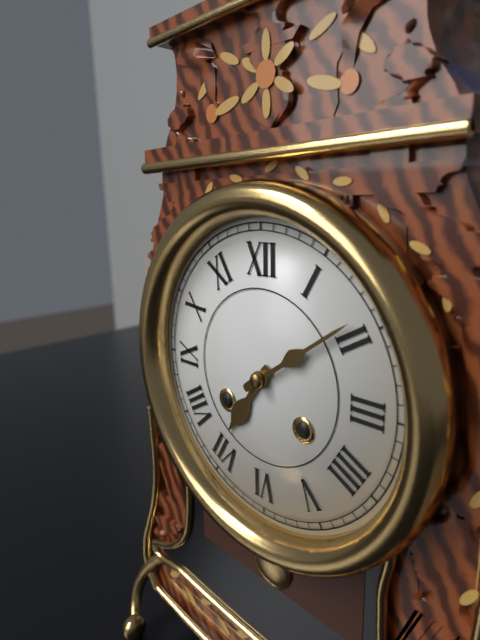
{"hour": 7, "minute": 9}
